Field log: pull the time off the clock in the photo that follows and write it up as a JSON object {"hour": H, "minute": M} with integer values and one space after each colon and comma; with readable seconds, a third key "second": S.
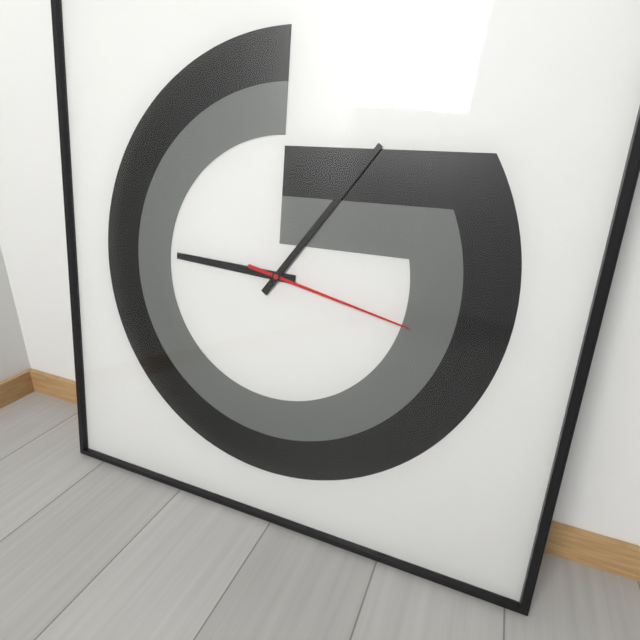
{"hour": 9, "minute": 6, "second": 17}
